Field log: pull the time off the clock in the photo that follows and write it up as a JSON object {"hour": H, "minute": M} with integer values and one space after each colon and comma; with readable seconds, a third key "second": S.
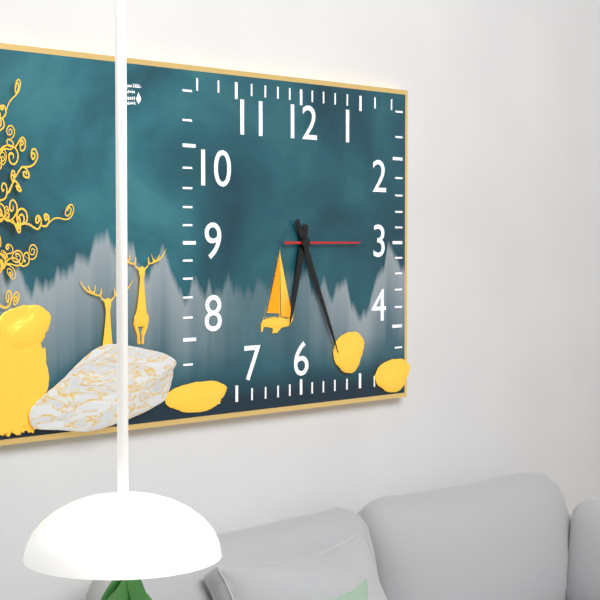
{"hour": 6, "minute": 26, "second": 15}
